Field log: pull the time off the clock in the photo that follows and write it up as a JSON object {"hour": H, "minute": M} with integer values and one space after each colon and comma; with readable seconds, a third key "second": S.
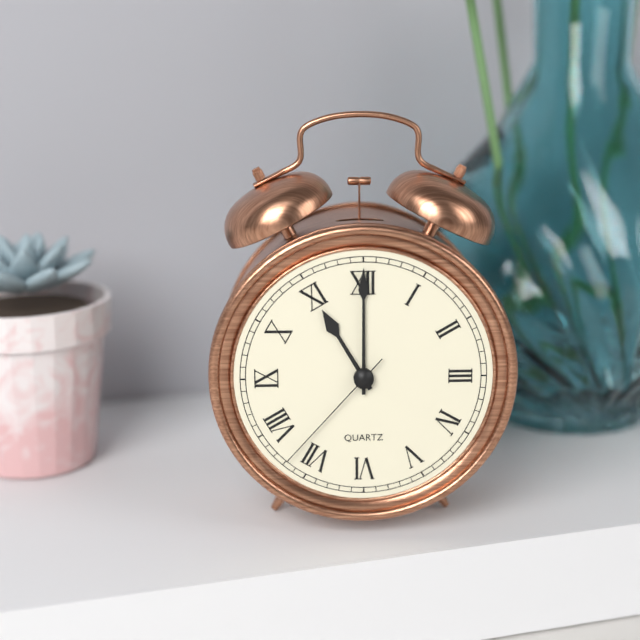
{"hour": 11, "minute": 0, "second": 37}
